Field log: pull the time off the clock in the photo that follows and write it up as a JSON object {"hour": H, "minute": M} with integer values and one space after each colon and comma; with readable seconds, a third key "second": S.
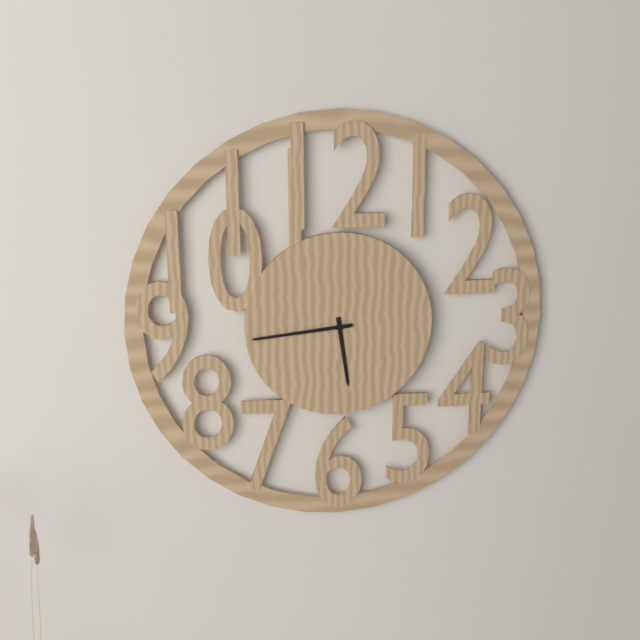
{"hour": 5, "minute": 44}
